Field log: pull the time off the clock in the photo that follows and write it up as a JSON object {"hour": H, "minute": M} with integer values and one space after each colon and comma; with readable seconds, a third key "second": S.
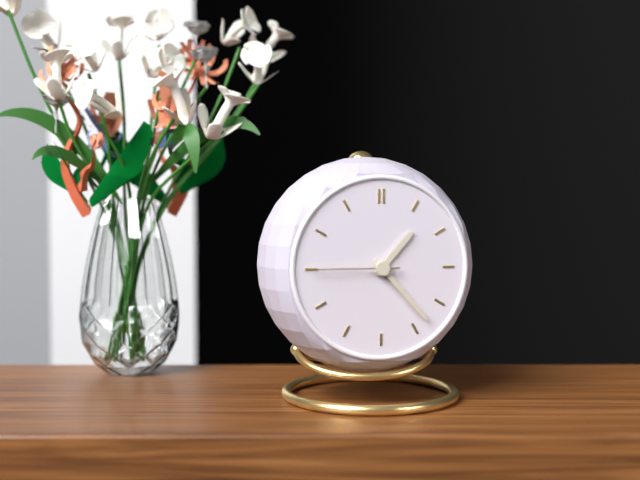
{"hour": 1, "minute": 23, "second": 45}
